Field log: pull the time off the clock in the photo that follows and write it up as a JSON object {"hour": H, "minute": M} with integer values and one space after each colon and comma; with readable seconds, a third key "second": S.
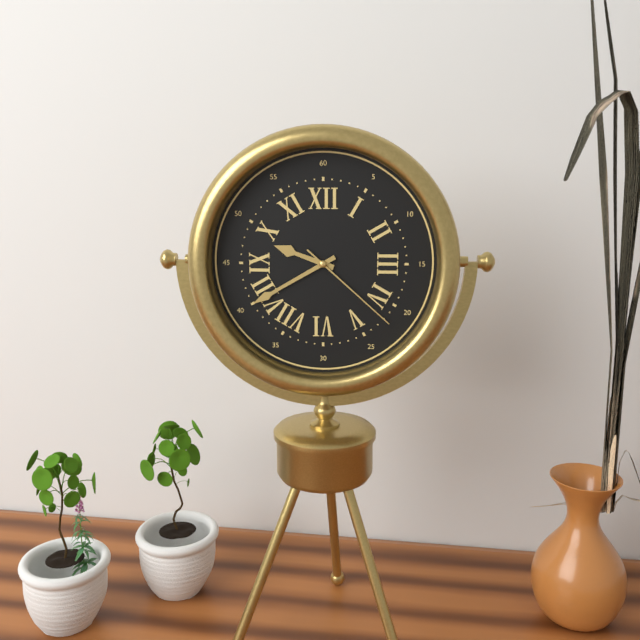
{"hour": 9, "minute": 40, "second": 22}
